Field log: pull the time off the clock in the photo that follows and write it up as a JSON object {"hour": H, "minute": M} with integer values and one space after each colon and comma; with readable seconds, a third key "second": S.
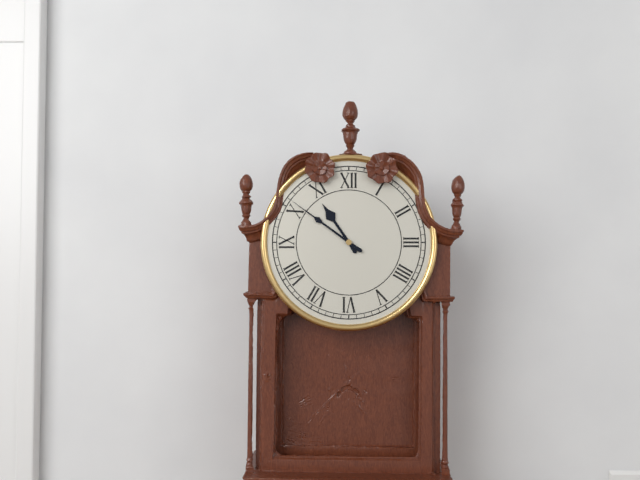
{"hour": 10, "minute": 51}
